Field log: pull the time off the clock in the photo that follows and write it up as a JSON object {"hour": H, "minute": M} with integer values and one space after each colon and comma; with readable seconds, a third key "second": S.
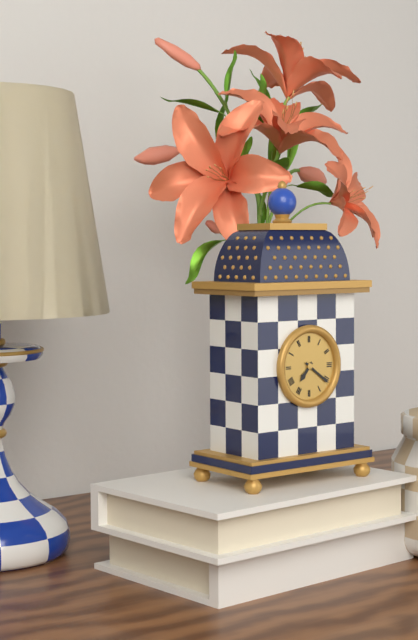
{"hour": 7, "minute": 21}
